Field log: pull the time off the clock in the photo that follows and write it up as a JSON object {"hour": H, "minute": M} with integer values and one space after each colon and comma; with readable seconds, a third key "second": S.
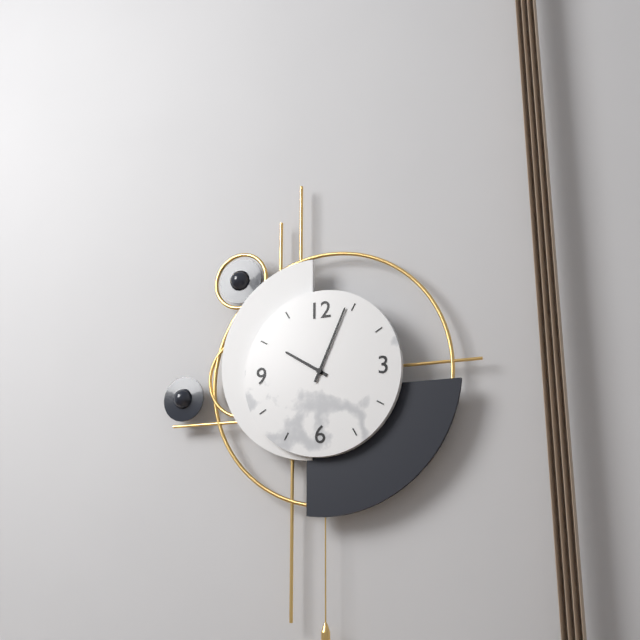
{"hour": 10, "minute": 4}
